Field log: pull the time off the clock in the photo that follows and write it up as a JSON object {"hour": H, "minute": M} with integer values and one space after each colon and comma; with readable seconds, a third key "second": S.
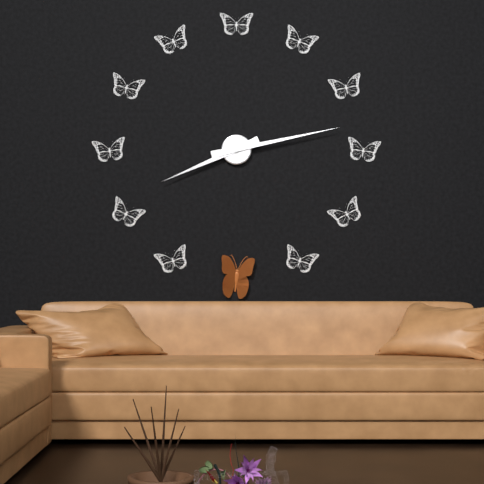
{"hour": 8, "minute": 13}
